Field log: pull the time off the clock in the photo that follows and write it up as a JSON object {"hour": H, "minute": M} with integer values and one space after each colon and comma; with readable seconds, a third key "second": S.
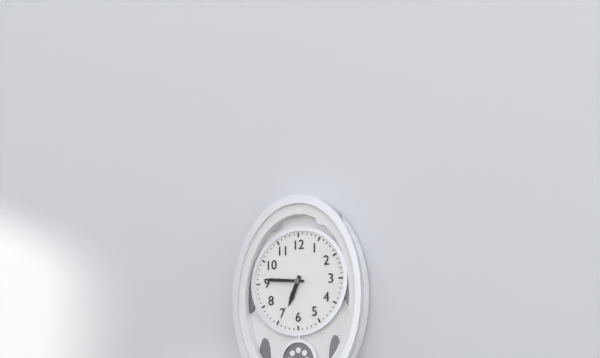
{"hour": 6, "minute": 46}
